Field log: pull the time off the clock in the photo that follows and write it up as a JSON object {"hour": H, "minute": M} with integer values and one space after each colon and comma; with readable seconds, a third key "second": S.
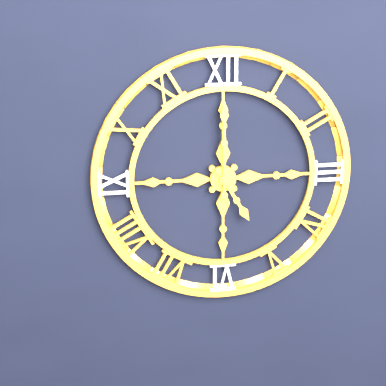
{"hour": 5, "minute": 0}
